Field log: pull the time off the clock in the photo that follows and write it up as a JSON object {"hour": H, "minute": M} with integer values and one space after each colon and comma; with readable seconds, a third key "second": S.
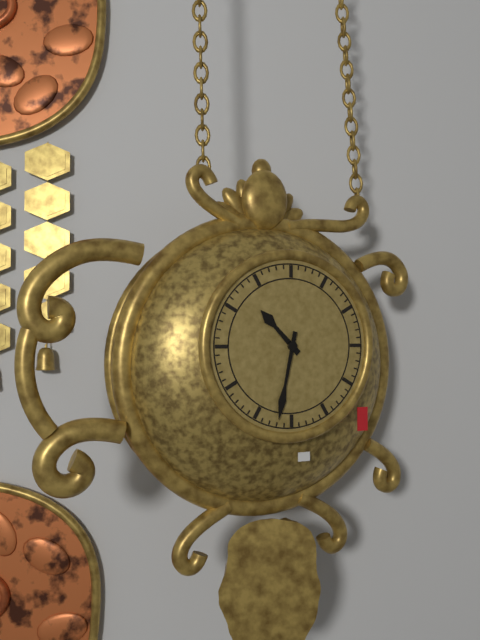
{"hour": 10, "minute": 32}
